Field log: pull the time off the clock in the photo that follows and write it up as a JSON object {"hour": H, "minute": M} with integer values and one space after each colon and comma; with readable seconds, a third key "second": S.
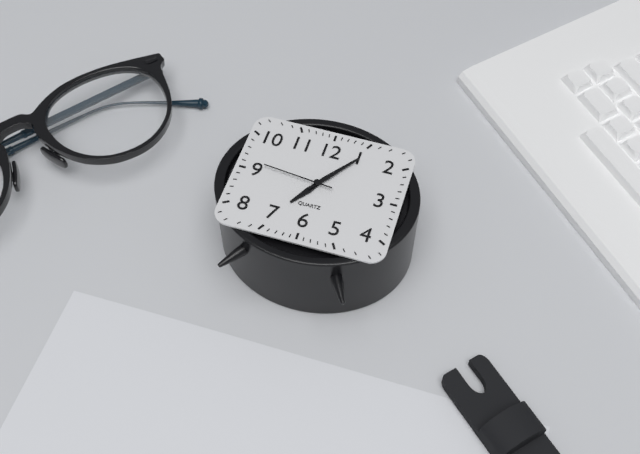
{"hour": 7, "minute": 6, "second": 46}
